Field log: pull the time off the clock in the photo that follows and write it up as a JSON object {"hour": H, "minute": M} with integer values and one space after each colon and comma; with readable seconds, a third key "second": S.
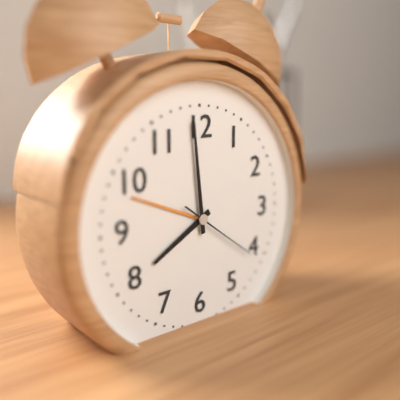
{"hour": 7, "minute": 59, "second": 21}
